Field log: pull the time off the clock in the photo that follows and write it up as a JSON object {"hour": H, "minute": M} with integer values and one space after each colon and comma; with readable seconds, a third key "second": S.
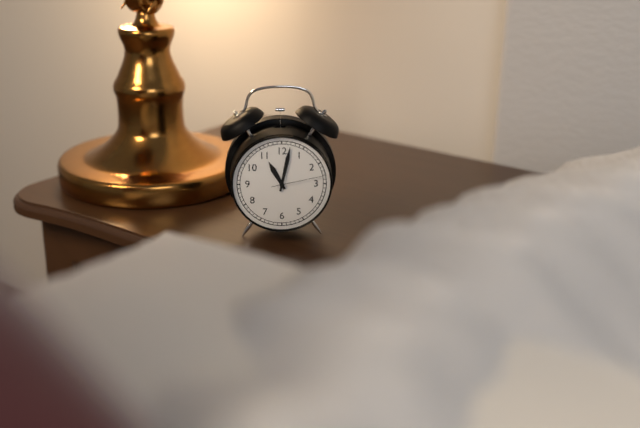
{"hour": 11, "minute": 2, "second": 13}
